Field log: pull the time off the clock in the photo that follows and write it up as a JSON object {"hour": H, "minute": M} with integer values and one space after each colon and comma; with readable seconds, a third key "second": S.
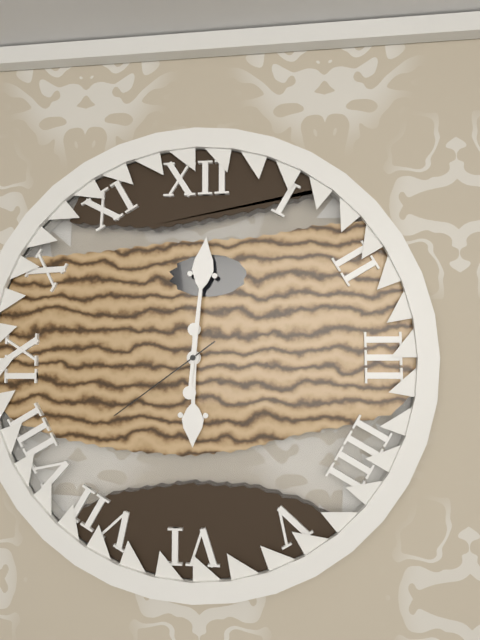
{"hour": 6, "minute": 1, "second": 39}
